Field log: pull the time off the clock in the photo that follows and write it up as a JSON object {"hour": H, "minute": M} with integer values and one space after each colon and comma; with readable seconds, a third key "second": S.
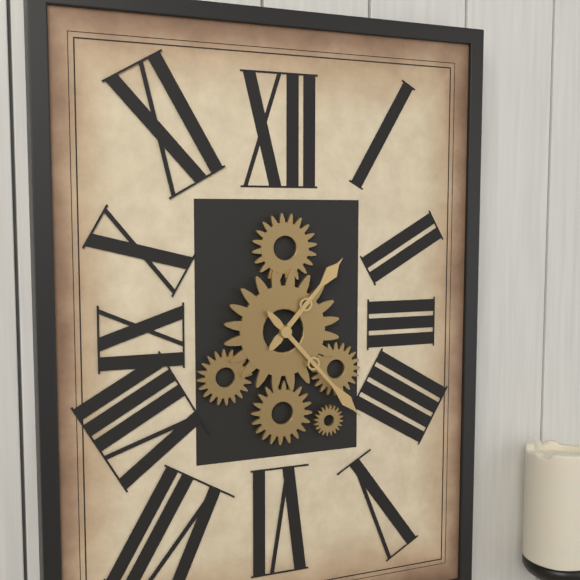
{"hour": 1, "minute": 23}
